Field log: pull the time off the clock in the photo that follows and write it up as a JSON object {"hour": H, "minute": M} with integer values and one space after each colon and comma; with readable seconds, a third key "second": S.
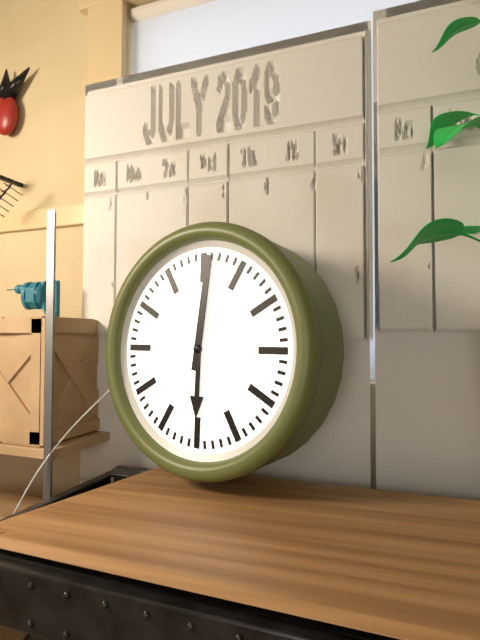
{"hour": 6, "minute": 1}
